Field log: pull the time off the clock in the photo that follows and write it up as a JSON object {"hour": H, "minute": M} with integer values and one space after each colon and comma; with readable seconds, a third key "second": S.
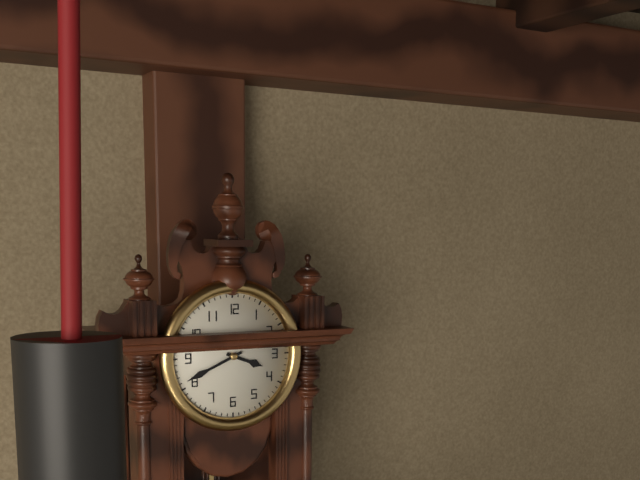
{"hour": 3, "minute": 41}
